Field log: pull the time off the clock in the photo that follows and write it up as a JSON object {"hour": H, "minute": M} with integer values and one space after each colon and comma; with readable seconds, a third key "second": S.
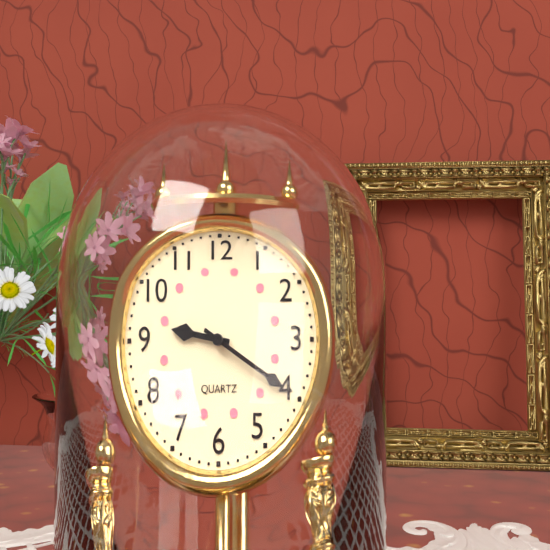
{"hour": 9, "minute": 20}
